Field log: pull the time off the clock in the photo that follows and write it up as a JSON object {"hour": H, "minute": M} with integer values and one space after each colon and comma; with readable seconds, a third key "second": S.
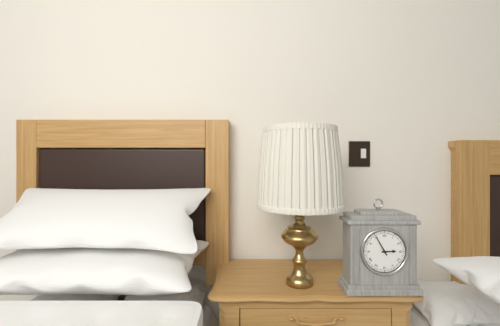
{"hour": 2, "minute": 55}
